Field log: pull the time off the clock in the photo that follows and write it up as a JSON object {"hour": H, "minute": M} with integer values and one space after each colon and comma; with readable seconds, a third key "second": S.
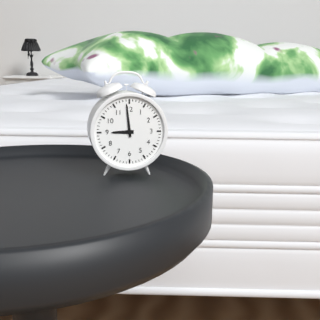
{"hour": 8, "minute": 59}
